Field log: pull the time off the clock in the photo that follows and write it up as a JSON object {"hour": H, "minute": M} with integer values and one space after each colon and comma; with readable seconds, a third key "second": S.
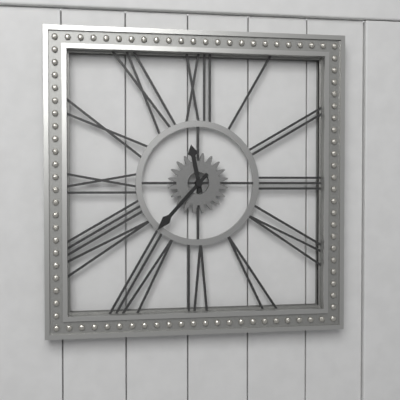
{"hour": 11, "minute": 37}
